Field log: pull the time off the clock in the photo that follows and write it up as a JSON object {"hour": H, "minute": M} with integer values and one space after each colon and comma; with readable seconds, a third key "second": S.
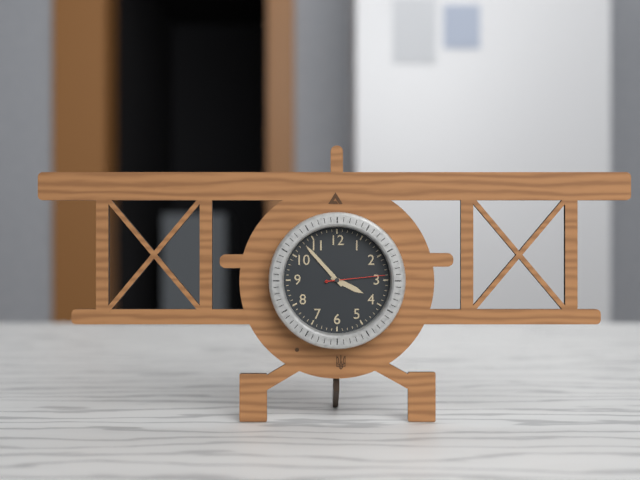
{"hour": 3, "minute": 53, "second": 14}
